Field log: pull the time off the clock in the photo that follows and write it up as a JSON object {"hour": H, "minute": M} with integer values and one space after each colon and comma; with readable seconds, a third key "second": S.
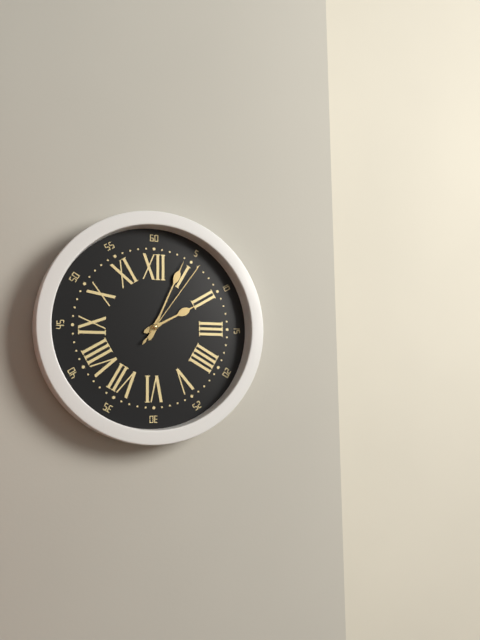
{"hour": 2, "minute": 4, "second": 6}
